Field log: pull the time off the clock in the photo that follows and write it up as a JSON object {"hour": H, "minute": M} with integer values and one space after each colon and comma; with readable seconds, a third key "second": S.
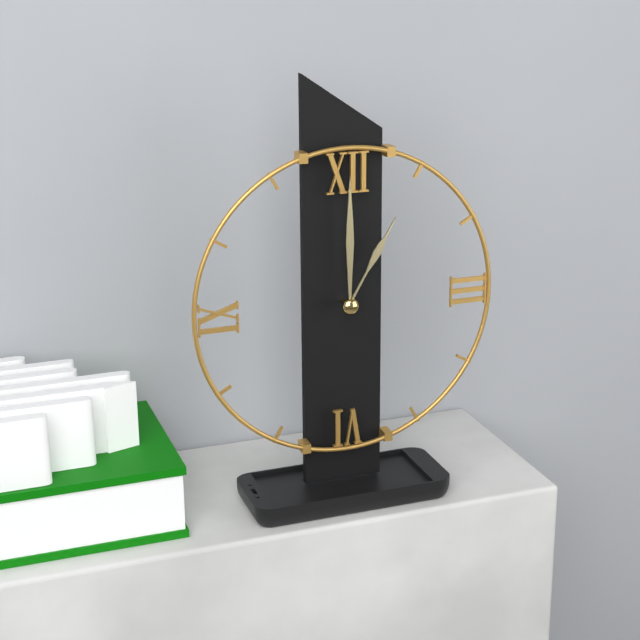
{"hour": 1, "minute": 0}
